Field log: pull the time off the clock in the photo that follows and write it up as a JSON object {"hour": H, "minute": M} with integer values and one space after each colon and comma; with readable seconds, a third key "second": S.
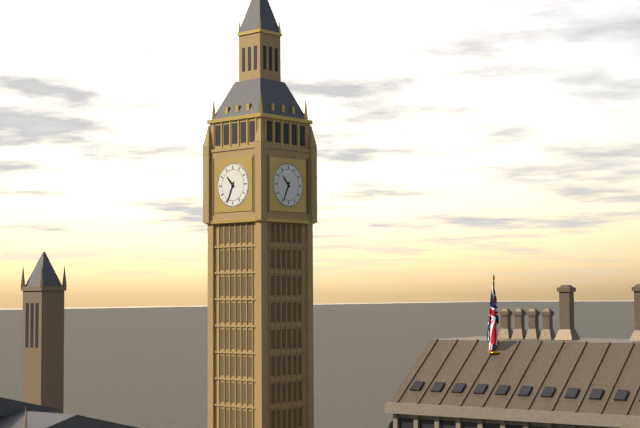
{"hour": 10, "minute": 34}
